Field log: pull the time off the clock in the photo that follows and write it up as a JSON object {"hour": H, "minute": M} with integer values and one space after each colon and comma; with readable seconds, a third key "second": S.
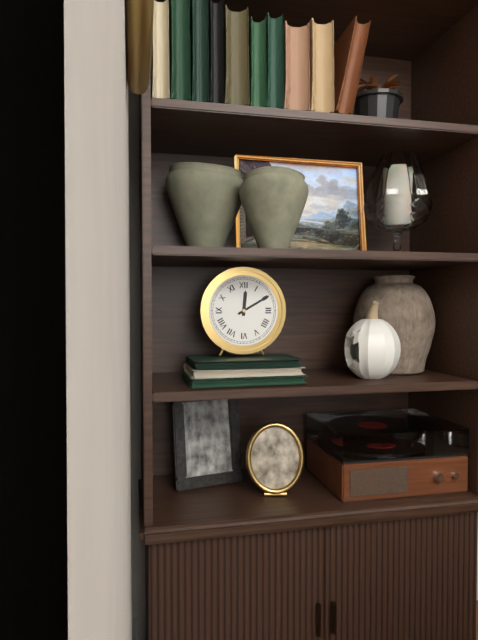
{"hour": 12, "minute": 10}
